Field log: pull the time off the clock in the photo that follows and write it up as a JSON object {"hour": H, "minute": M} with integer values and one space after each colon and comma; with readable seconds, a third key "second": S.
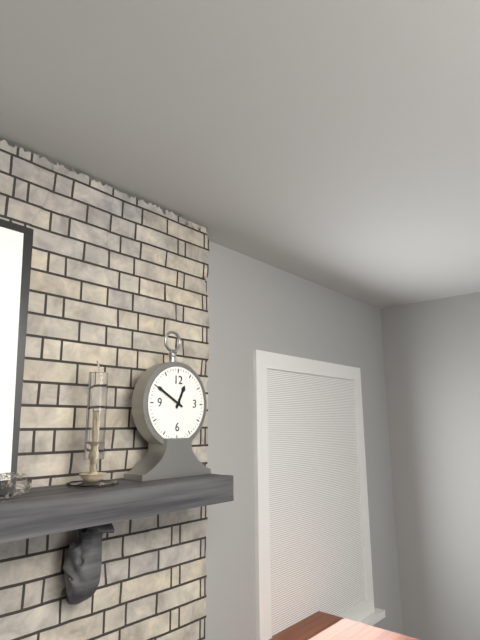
{"hour": 12, "minute": 50}
